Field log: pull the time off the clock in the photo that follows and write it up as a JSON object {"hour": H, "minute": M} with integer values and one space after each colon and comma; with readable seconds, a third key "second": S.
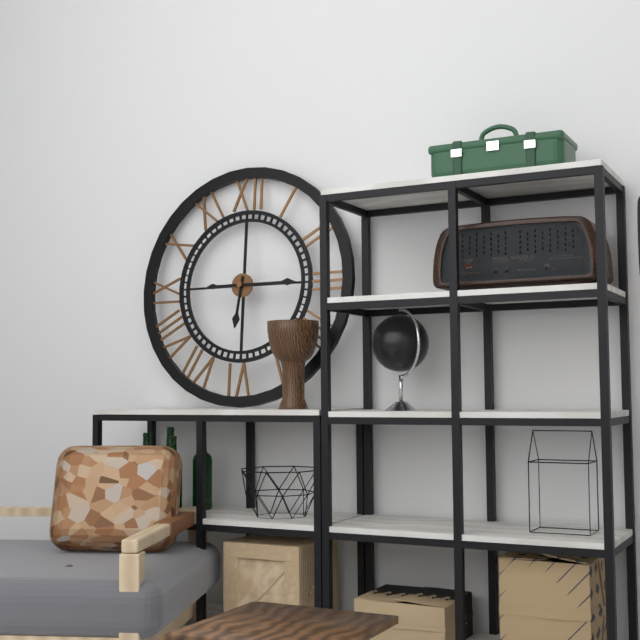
{"hour": 6, "minute": 15}
